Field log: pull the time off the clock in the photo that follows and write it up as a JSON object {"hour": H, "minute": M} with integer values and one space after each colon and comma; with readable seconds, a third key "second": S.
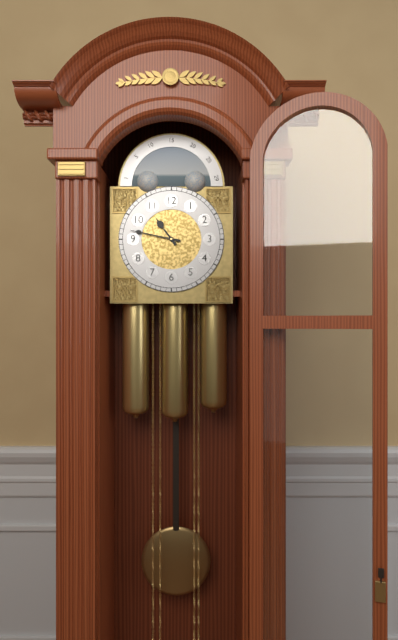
{"hour": 10, "minute": 47}
